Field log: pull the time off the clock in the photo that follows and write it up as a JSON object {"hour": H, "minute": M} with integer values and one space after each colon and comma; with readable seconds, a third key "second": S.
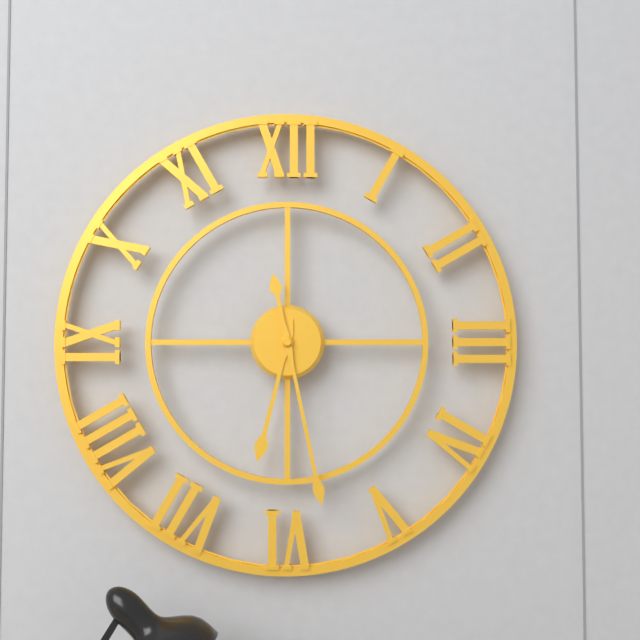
{"hour": 6, "minute": 28}
